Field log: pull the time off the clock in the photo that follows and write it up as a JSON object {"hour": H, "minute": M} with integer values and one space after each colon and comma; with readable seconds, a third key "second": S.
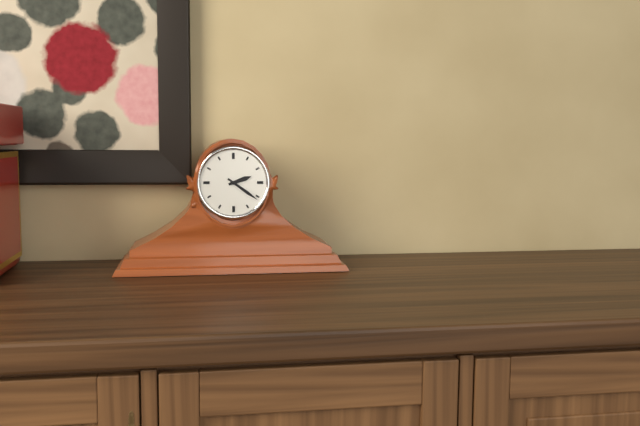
{"hour": 2, "minute": 21}
